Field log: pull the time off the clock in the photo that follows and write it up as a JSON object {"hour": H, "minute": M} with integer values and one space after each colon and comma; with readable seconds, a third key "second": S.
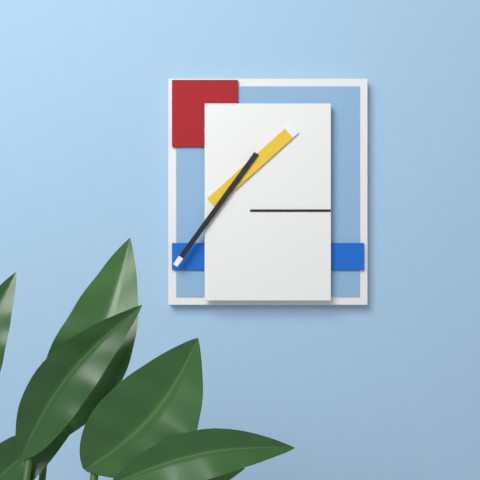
{"hour": 1, "minute": 36}
